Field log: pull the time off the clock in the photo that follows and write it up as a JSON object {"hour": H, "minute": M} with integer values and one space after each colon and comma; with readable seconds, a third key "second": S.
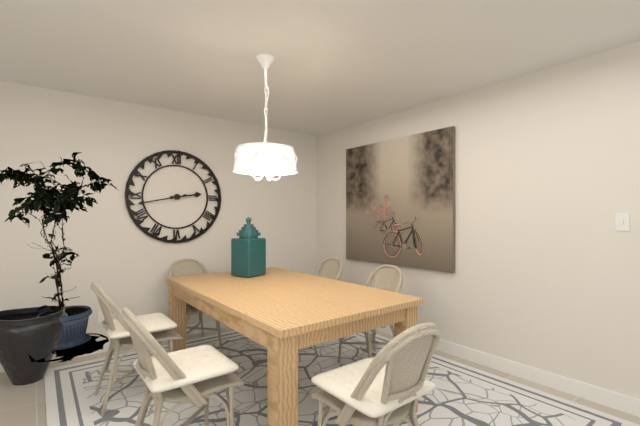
{"hour": 2, "minute": 43}
